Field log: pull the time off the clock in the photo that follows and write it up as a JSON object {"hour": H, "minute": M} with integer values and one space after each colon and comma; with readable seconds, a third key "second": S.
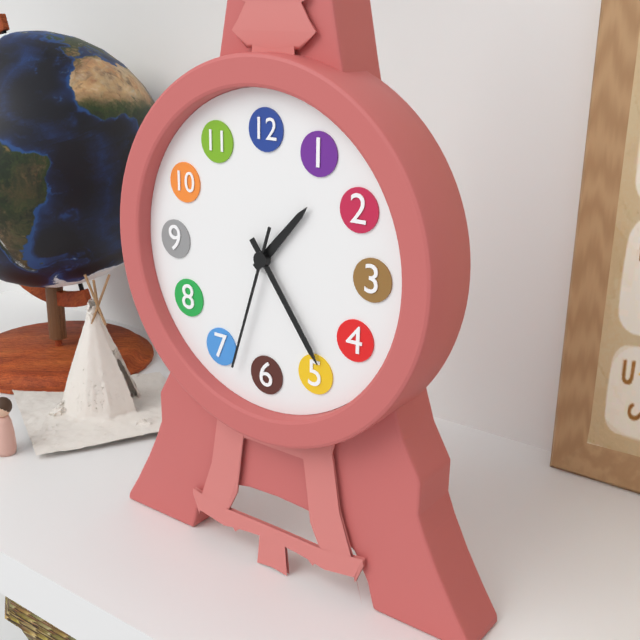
{"hour": 1, "minute": 24, "second": 33}
